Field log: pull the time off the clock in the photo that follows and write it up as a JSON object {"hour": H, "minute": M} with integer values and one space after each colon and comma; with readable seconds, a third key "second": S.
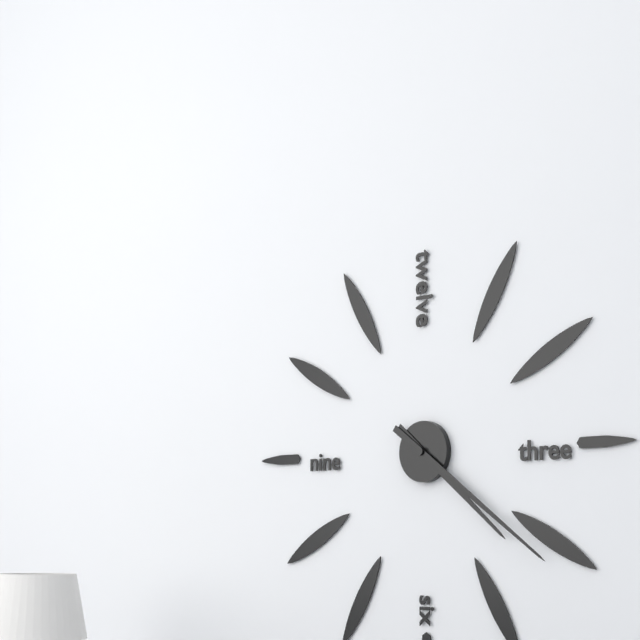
{"hour": 4, "minute": 21}
